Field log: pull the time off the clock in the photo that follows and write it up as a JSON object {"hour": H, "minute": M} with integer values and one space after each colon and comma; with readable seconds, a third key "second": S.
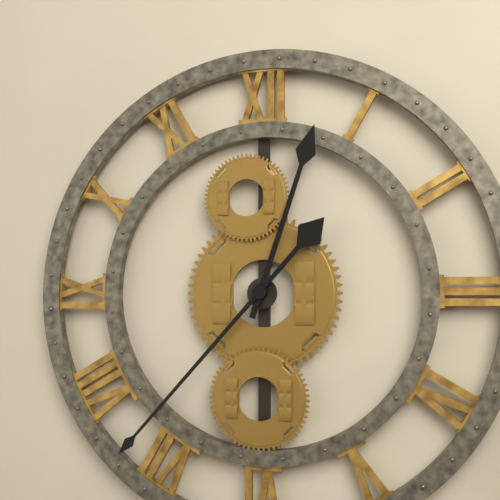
{"hour": 12, "minute": 37}
